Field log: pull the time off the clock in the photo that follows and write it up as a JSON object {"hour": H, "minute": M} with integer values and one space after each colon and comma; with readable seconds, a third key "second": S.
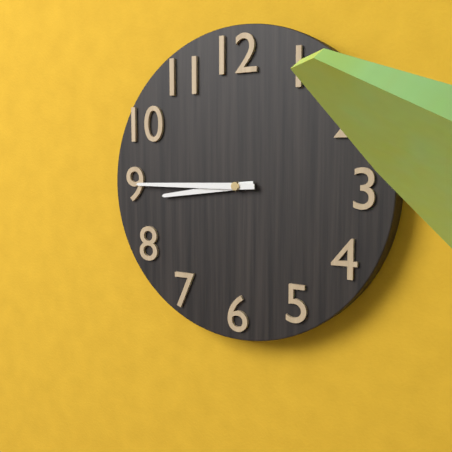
{"hour": 8, "minute": 45}
